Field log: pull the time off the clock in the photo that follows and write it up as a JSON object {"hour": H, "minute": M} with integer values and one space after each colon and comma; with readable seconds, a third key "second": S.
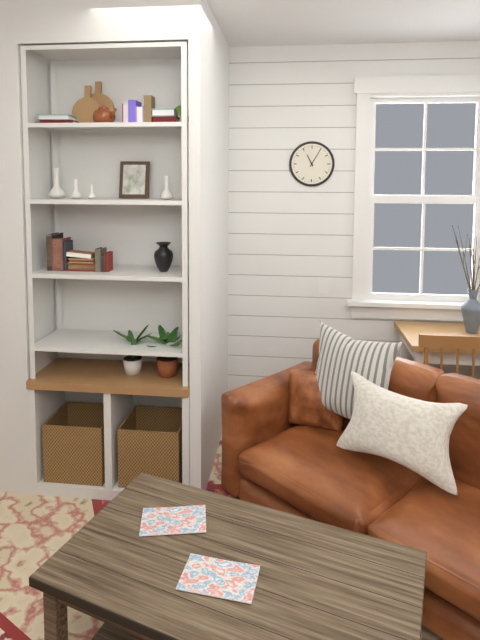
{"hour": 11, "minute": 5}
